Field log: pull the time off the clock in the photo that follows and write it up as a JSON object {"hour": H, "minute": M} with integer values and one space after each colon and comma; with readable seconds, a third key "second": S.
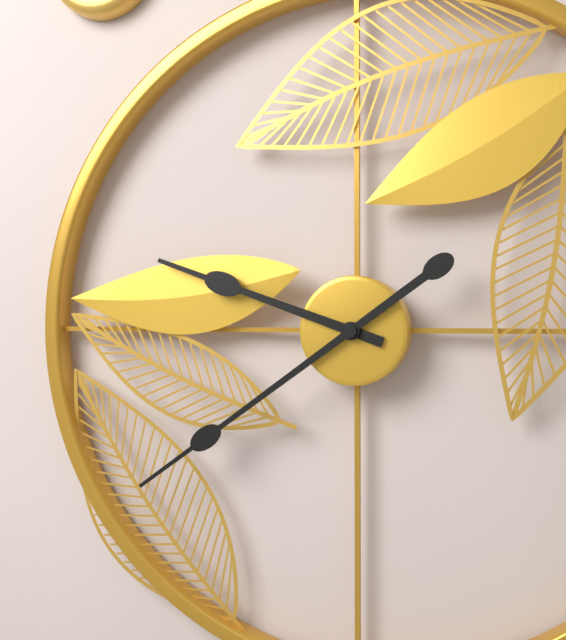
{"hour": 9, "minute": 39}
